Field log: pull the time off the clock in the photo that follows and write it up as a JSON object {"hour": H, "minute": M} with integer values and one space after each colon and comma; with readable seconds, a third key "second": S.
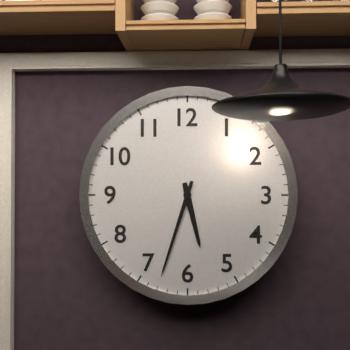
{"hour": 5, "minute": 33}
